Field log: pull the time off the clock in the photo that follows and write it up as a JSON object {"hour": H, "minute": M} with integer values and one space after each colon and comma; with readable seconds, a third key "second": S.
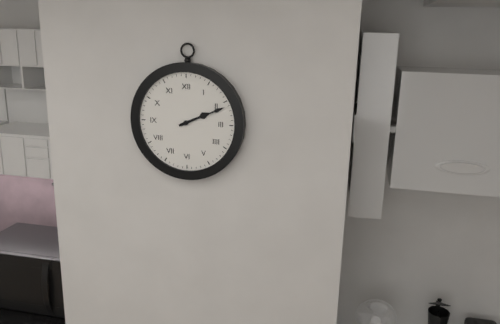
{"hour": 2, "minute": 11}
